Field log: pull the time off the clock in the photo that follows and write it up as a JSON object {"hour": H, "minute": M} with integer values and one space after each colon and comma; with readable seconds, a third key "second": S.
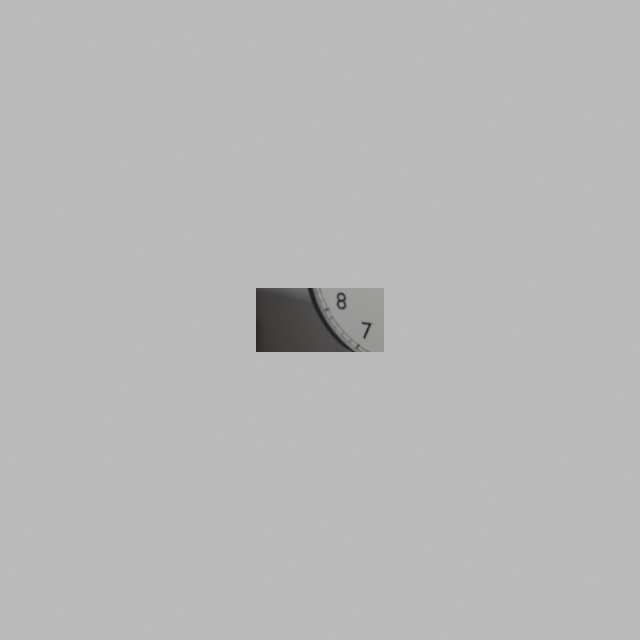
{"hour": 4, "minute": 22, "second": 22}
